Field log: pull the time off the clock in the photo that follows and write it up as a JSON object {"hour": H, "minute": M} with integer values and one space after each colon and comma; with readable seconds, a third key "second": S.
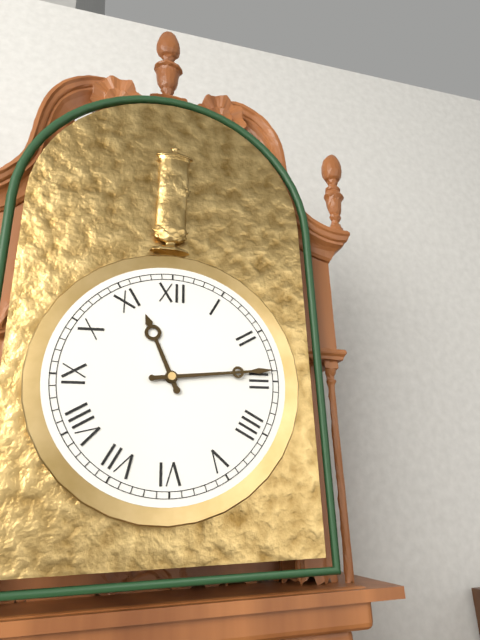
{"hour": 11, "minute": 14}
